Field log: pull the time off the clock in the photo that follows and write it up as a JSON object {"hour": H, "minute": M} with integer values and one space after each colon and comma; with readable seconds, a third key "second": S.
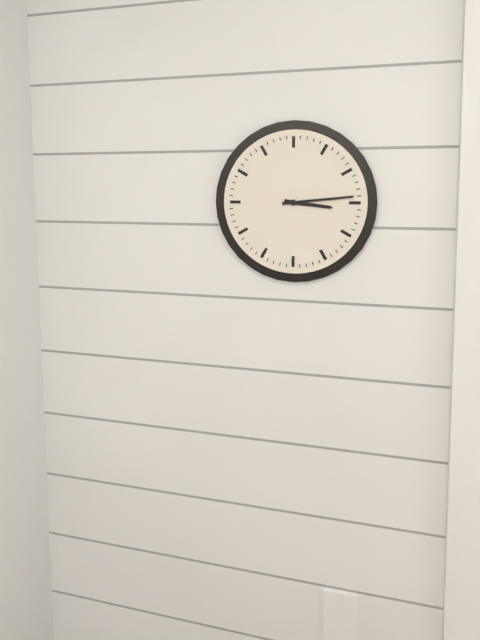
{"hour": 3, "minute": 14}
